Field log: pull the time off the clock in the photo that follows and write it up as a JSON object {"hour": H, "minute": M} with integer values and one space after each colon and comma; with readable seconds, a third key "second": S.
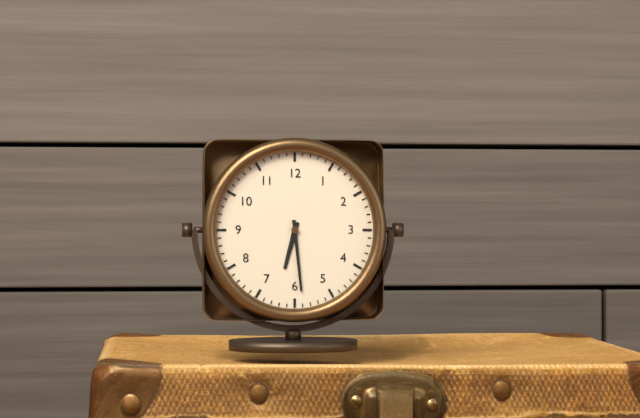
{"hour": 6, "minute": 29}
